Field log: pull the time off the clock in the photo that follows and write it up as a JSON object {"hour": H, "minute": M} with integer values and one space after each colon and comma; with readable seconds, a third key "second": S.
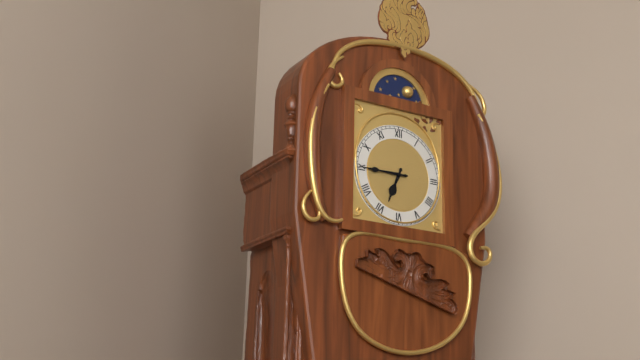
{"hour": 6, "minute": 45}
